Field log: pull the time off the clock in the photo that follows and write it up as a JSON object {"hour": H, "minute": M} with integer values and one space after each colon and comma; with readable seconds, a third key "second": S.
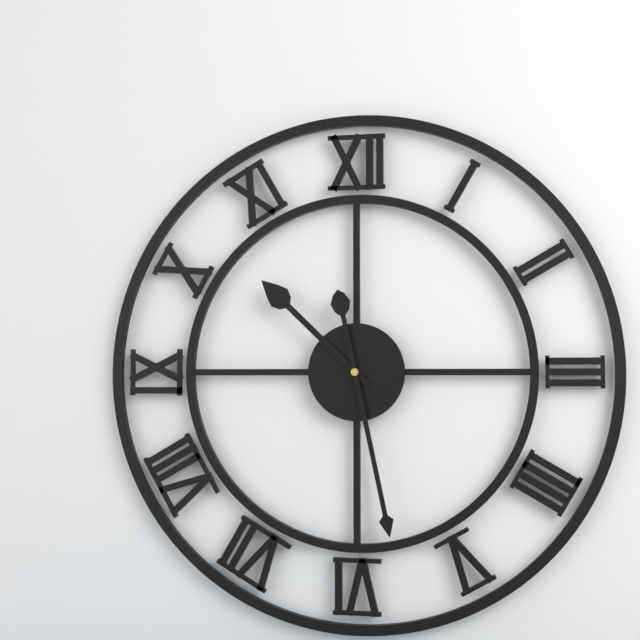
{"hour": 10, "minute": 28}
